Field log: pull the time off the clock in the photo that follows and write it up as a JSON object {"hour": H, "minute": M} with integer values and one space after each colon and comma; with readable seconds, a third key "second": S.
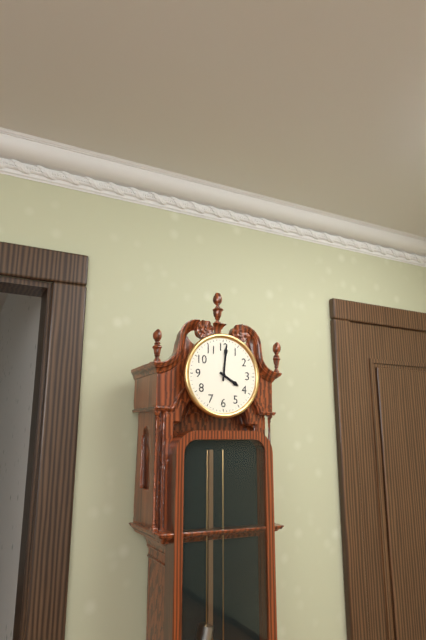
{"hour": 4, "minute": 1}
